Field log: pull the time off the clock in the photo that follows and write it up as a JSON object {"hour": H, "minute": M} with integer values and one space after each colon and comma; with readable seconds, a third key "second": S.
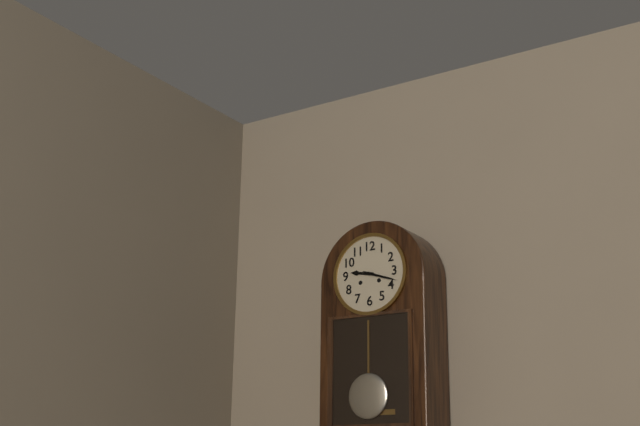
{"hour": 9, "minute": 18}
